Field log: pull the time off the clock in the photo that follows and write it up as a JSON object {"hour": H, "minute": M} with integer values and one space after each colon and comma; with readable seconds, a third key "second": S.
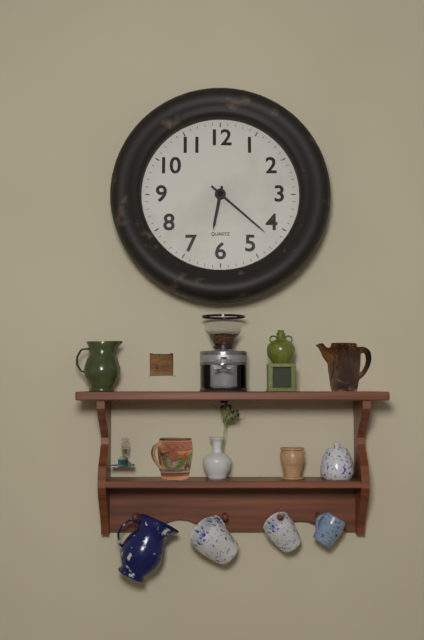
{"hour": 6, "minute": 22}
